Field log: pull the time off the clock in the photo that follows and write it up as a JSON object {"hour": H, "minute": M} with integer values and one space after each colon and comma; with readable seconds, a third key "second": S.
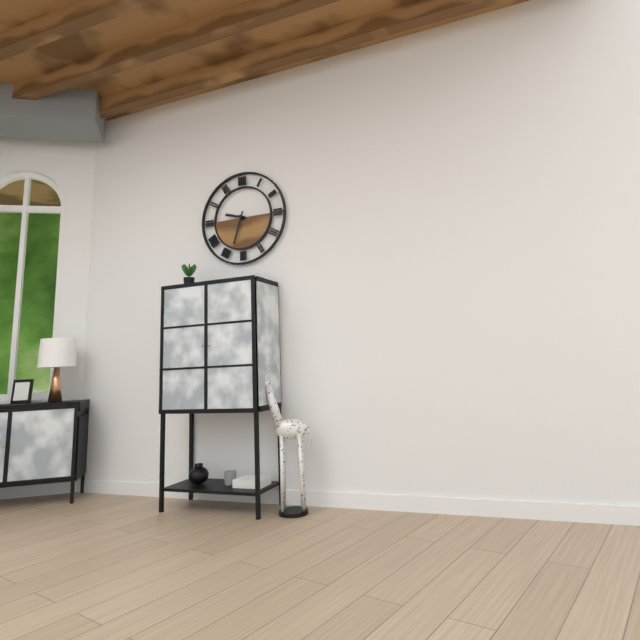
{"hour": 9, "minute": 33}
